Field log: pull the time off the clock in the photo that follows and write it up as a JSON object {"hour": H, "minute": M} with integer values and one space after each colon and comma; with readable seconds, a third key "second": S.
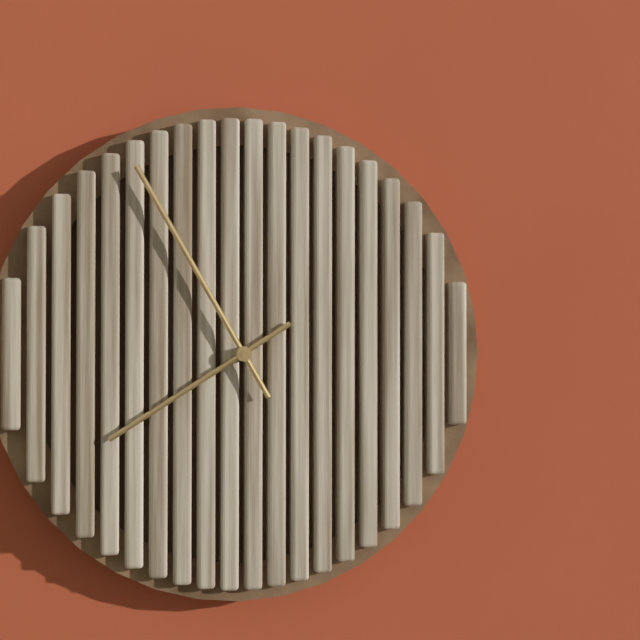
{"hour": 7, "minute": 55}
